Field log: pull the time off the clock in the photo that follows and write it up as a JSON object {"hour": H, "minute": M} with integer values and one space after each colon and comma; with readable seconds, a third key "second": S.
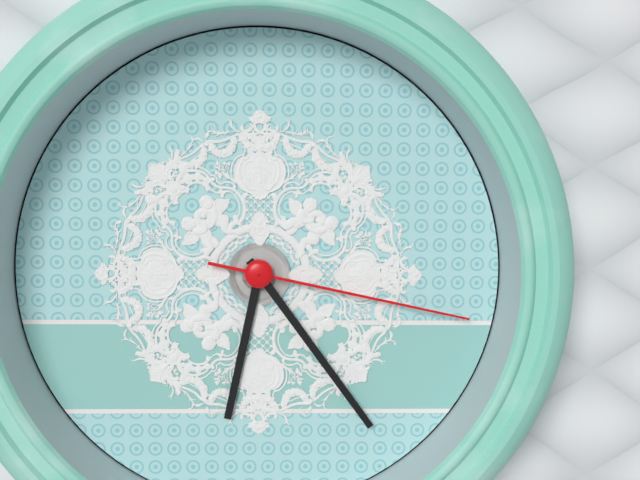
{"hour": 6, "minute": 24, "second": 17}
